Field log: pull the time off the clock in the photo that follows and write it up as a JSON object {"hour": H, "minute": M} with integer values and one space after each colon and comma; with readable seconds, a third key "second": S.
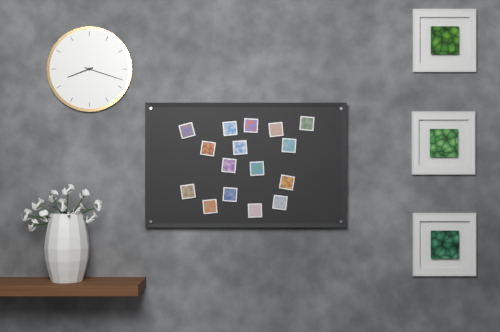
{"hour": 8, "minute": 18}
